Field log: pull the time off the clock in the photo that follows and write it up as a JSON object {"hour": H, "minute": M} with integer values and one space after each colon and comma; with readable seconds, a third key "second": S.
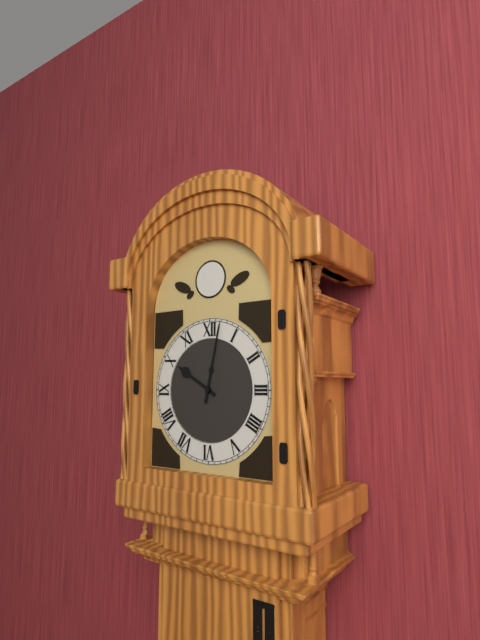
{"hour": 10, "minute": 2}
